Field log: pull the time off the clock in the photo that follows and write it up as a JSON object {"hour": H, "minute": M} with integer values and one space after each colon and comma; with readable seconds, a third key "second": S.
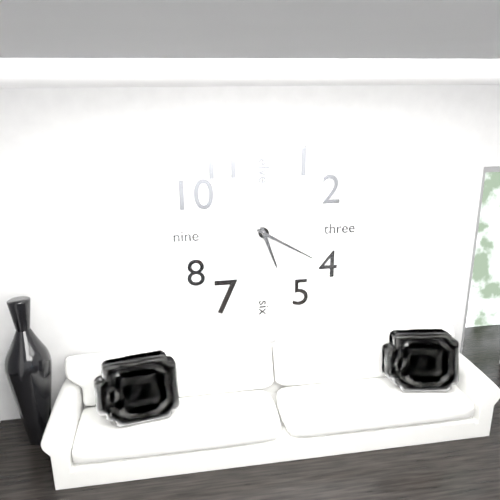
{"hour": 5, "minute": 20}
